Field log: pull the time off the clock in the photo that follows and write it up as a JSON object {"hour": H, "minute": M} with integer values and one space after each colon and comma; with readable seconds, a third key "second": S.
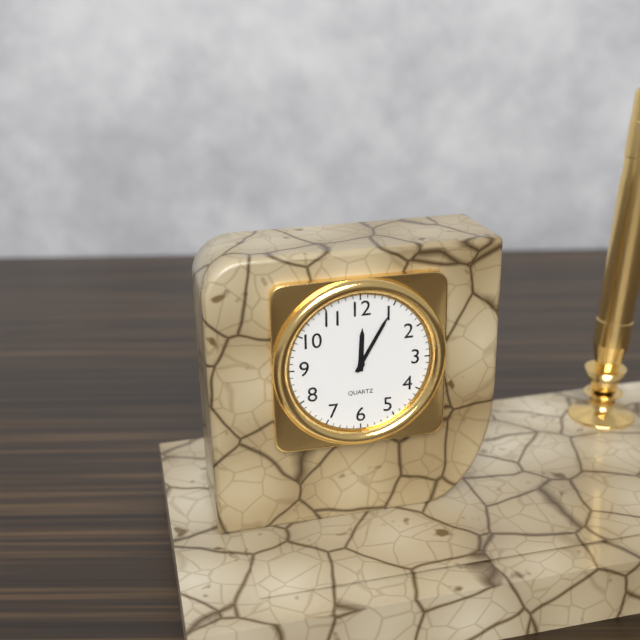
{"hour": 12, "minute": 5}
